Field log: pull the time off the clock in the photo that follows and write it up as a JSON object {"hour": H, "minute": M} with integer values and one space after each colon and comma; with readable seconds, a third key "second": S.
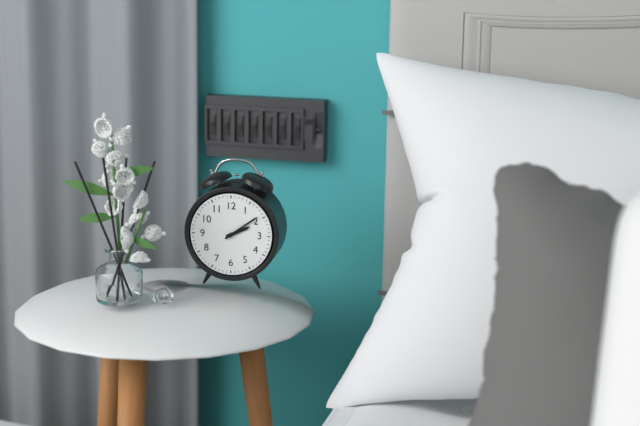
{"hour": 2, "minute": 9}
